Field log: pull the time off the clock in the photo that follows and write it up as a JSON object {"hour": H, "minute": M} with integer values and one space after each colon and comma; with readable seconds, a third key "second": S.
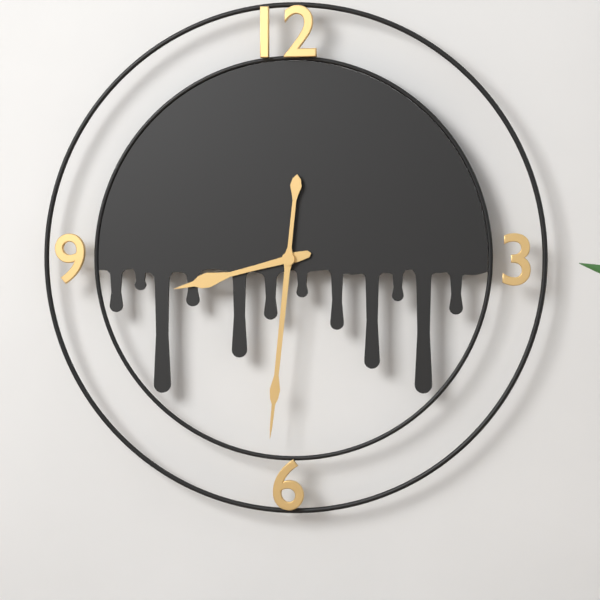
{"hour": 8, "minute": 31}
